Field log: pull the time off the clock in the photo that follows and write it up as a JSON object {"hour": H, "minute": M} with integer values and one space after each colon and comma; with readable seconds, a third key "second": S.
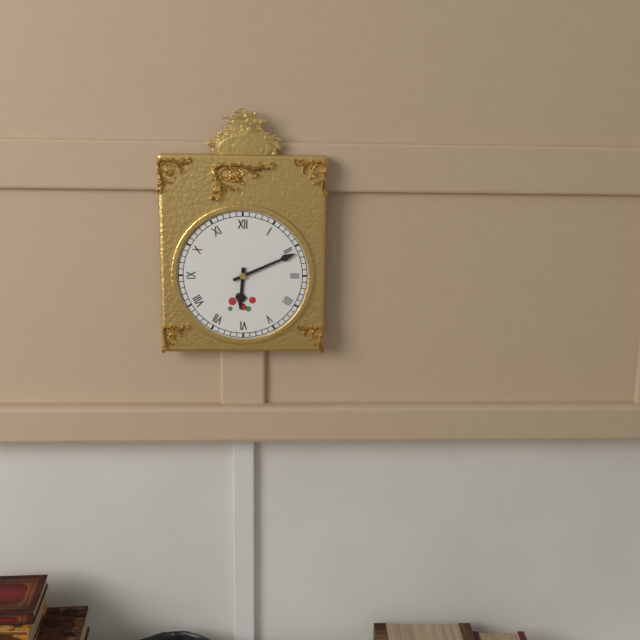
{"hour": 6, "minute": 11}
